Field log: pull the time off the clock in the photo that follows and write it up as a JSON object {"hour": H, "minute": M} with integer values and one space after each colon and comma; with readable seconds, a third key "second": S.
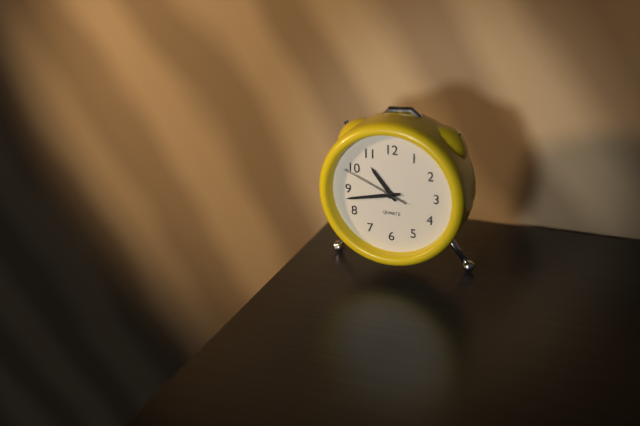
{"hour": 10, "minute": 43, "second": 49}
